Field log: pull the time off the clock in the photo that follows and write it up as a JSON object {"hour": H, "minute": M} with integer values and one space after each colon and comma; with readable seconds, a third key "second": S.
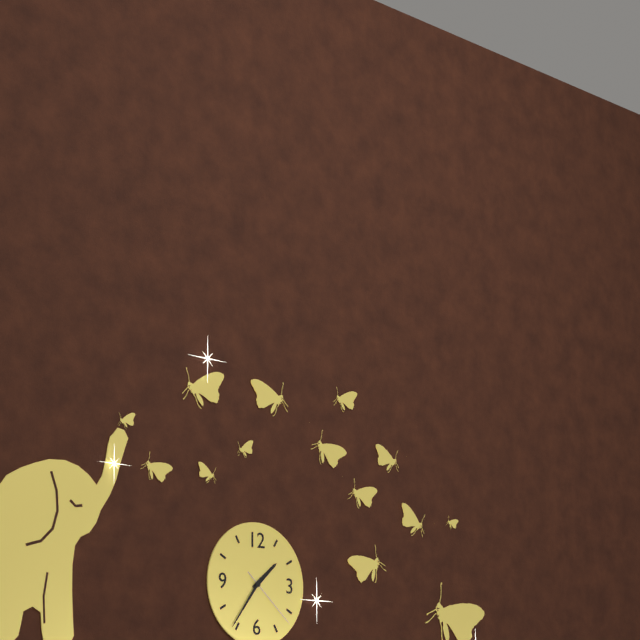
{"hour": 1, "minute": 36, "second": 22}
